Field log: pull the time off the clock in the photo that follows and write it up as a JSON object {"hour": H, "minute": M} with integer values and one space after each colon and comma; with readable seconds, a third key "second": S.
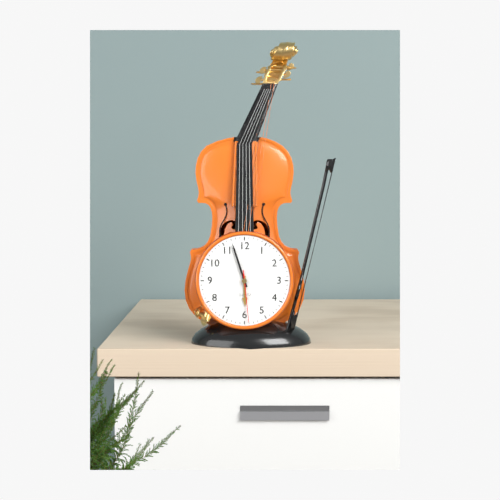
{"hour": 5, "minute": 57, "second": 29}
